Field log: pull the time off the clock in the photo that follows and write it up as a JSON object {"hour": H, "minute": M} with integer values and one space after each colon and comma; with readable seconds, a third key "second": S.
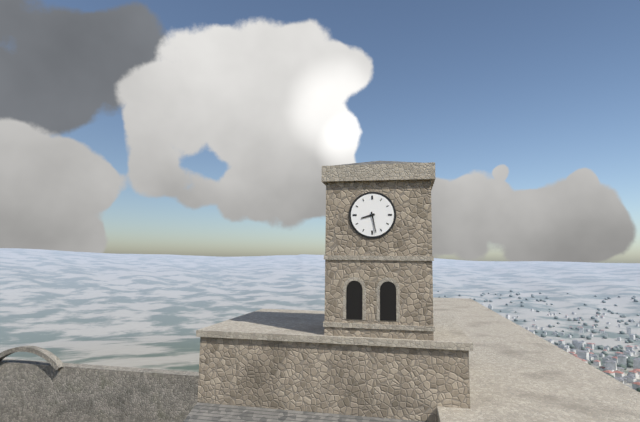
{"hour": 8, "minute": 28}
